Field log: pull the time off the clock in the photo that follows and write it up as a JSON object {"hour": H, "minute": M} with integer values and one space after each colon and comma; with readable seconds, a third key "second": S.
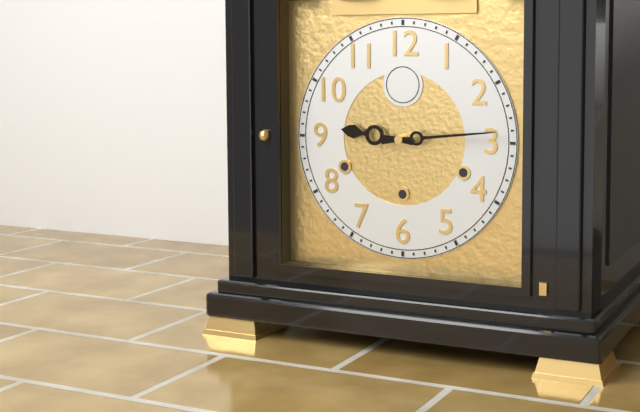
{"hour": 9, "minute": 14}
